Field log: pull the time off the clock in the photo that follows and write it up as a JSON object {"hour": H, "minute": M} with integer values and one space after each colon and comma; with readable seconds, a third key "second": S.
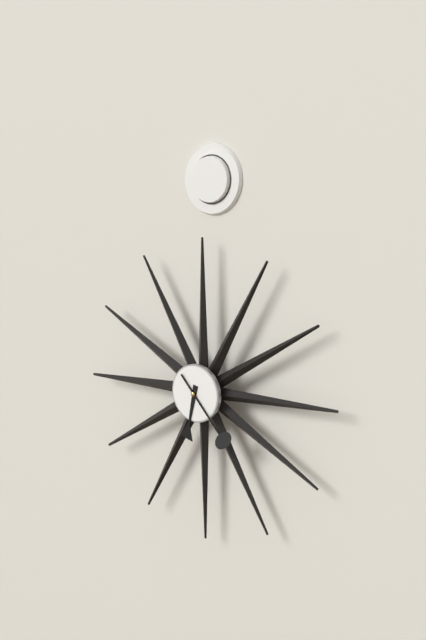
{"hour": 6, "minute": 23}
